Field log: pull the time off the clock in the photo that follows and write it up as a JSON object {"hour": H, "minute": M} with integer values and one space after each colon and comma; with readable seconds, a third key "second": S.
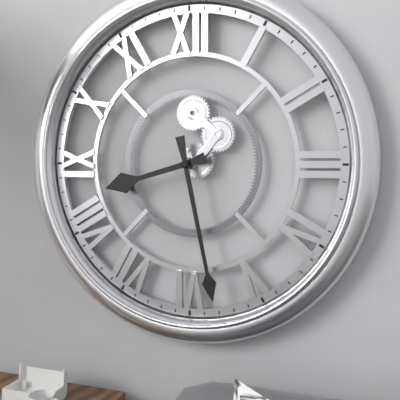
{"hour": 8, "minute": 28}
